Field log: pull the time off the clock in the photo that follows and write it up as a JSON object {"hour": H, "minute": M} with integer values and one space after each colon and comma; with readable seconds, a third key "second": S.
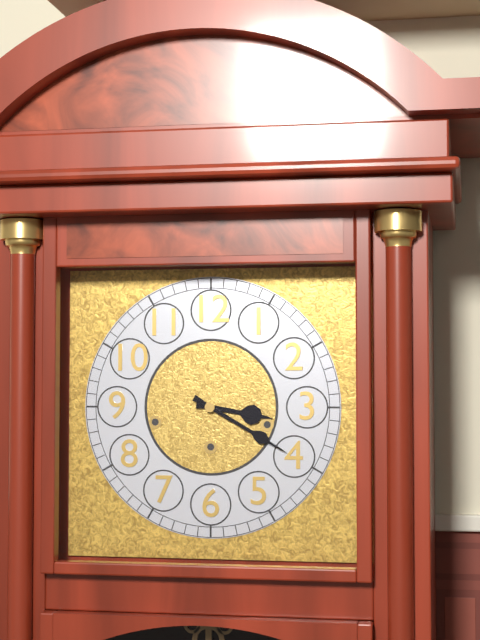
{"hour": 3, "minute": 20}
